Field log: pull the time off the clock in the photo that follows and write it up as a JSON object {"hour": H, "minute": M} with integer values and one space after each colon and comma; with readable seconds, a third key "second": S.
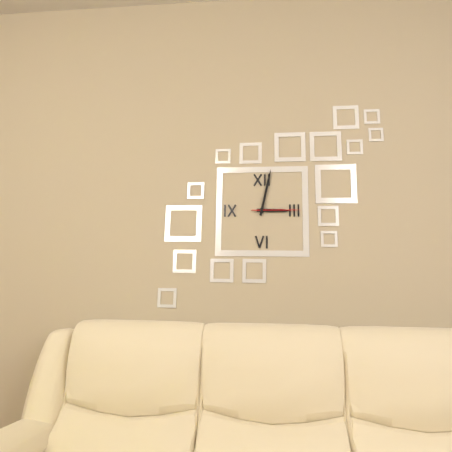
{"hour": 3, "minute": 2, "second": 15}
